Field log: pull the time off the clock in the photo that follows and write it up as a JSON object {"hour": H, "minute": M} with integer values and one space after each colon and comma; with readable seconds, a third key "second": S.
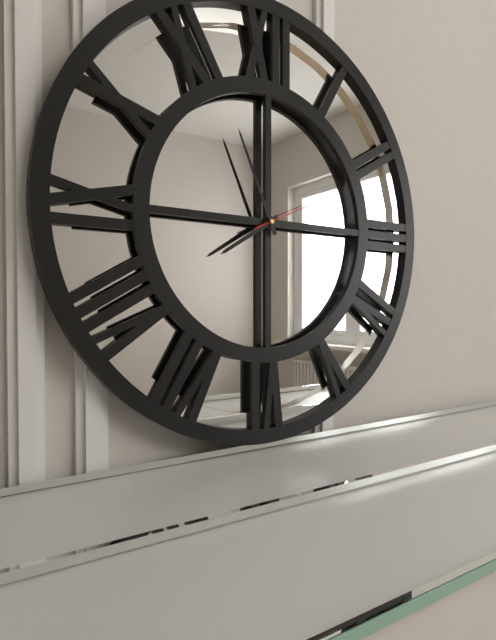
{"hour": 7, "minute": 56, "second": 11}
